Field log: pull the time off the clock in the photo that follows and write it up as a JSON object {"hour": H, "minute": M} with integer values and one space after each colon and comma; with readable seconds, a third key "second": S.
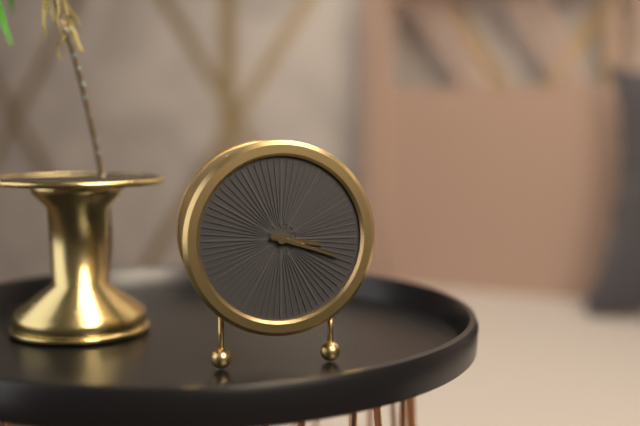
{"hour": 3, "minute": 18}
